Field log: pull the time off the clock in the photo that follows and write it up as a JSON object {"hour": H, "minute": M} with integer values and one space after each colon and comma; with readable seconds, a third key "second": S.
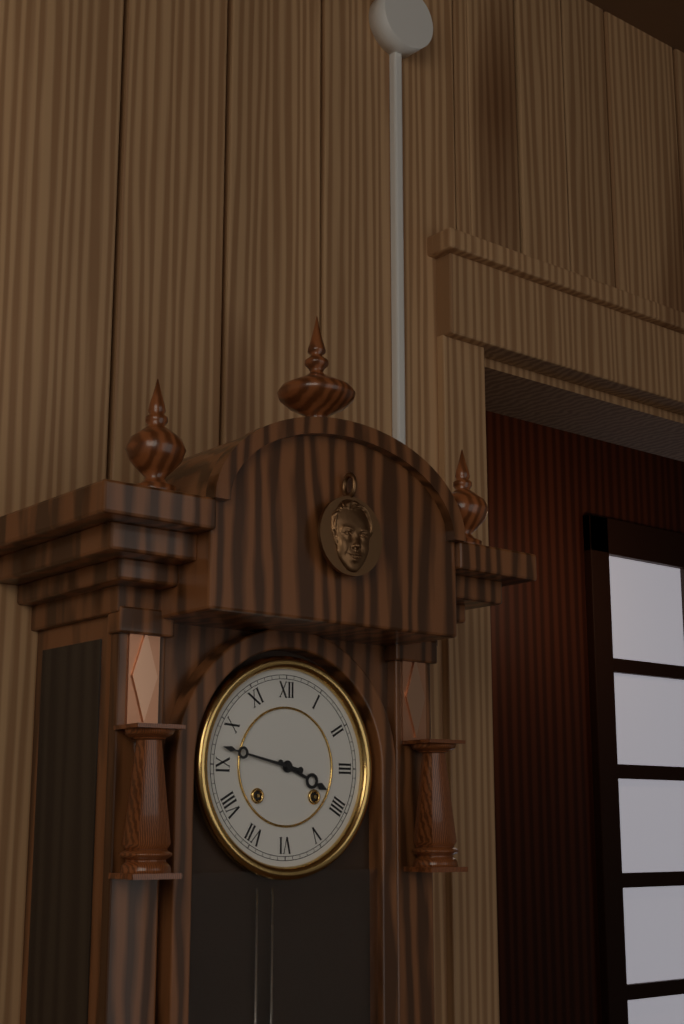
{"hour": 3, "minute": 47}
